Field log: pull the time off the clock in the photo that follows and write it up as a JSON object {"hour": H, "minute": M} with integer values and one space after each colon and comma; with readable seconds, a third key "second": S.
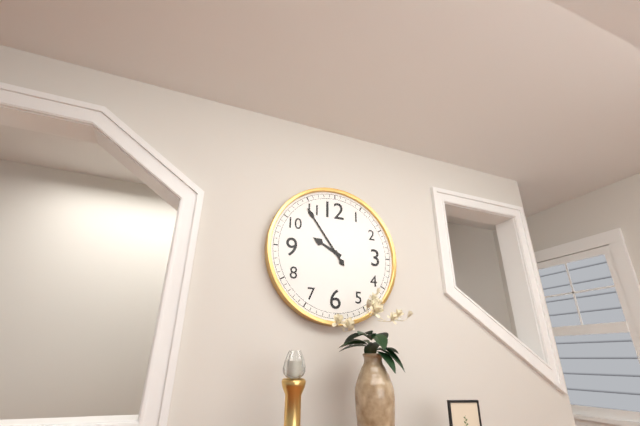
{"hour": 9, "minute": 54}
